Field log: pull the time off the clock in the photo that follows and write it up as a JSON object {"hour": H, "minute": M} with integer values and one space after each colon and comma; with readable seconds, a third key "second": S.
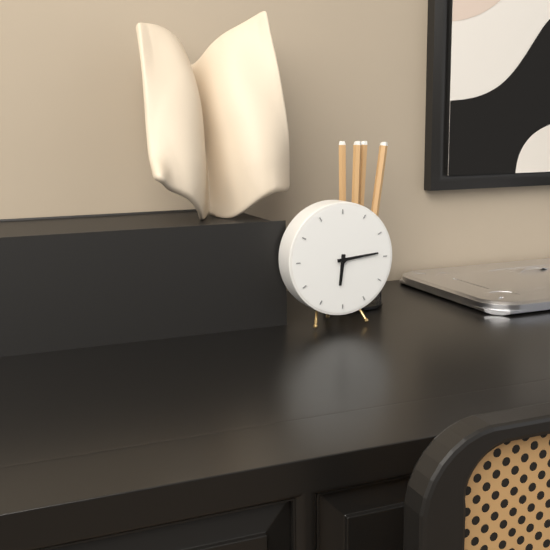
{"hour": 6, "minute": 14}
